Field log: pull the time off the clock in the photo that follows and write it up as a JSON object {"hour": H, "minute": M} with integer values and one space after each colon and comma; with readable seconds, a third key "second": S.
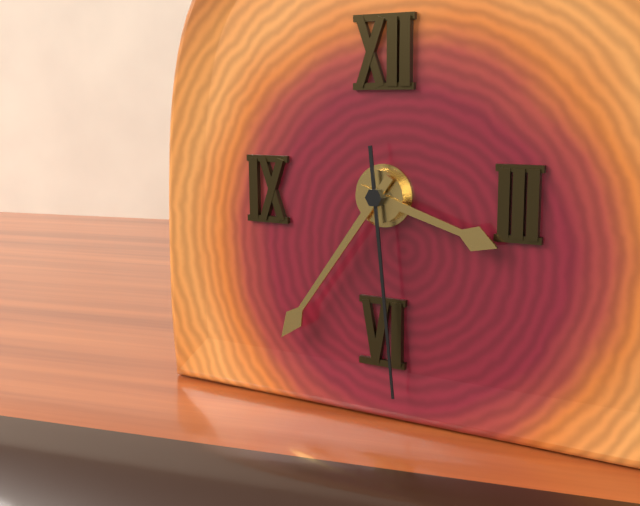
{"hour": 3, "minute": 36, "second": 29}
